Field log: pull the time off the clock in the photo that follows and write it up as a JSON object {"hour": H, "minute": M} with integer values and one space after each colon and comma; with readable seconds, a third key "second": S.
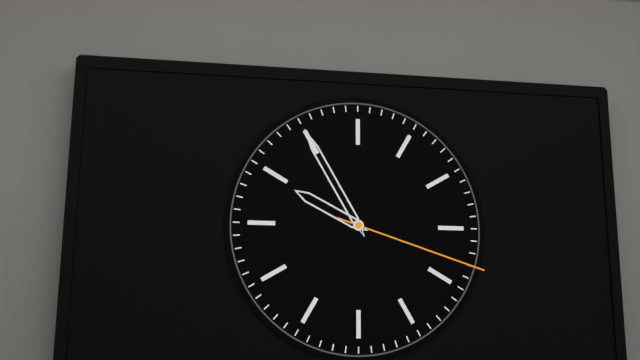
{"hour": 9, "minute": 55, "second": 18}
